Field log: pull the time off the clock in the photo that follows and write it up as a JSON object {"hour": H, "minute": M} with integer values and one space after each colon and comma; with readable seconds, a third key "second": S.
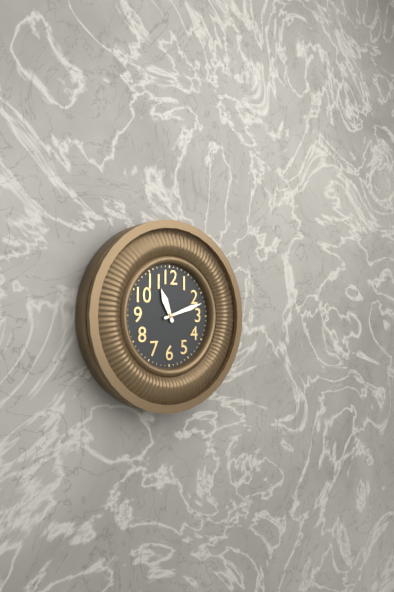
{"hour": 11, "minute": 12}
